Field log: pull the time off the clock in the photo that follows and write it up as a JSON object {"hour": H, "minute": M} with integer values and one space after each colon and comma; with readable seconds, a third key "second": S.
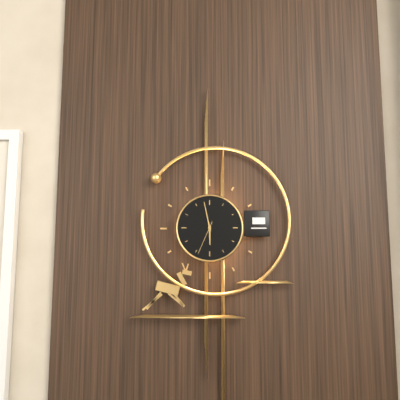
{"hour": 5, "minute": 58}
